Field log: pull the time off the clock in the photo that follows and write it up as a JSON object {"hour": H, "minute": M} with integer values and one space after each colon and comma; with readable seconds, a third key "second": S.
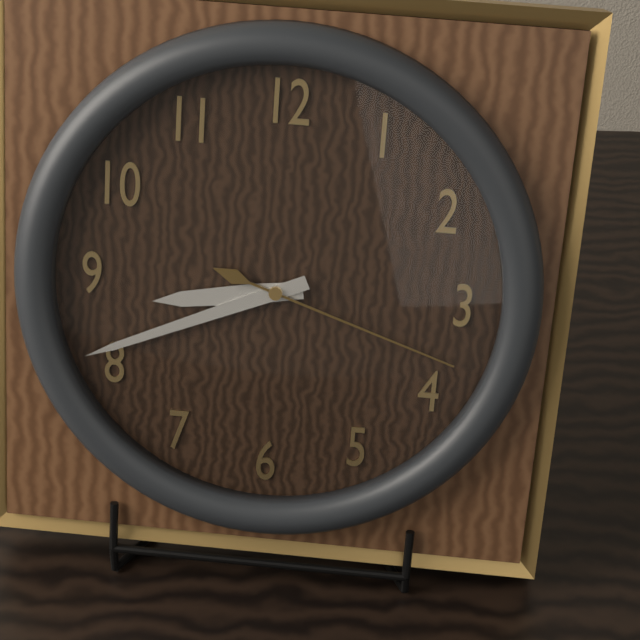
{"hour": 8, "minute": 41, "second": 18}
